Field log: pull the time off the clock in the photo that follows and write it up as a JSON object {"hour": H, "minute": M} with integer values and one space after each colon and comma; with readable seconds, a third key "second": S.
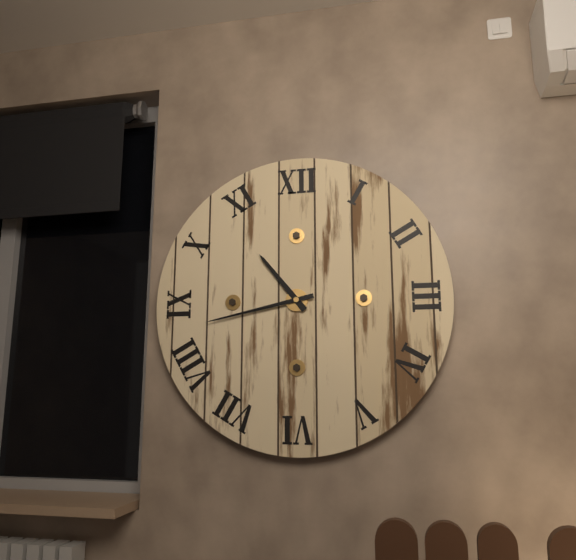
{"hour": 10, "minute": 43}
